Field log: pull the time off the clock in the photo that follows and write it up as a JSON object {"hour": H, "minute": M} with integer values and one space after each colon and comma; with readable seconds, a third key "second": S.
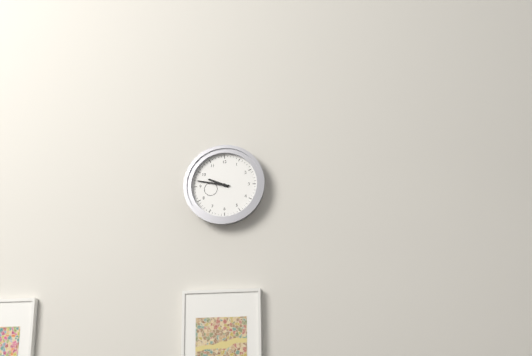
{"hour": 9, "minute": 47}
